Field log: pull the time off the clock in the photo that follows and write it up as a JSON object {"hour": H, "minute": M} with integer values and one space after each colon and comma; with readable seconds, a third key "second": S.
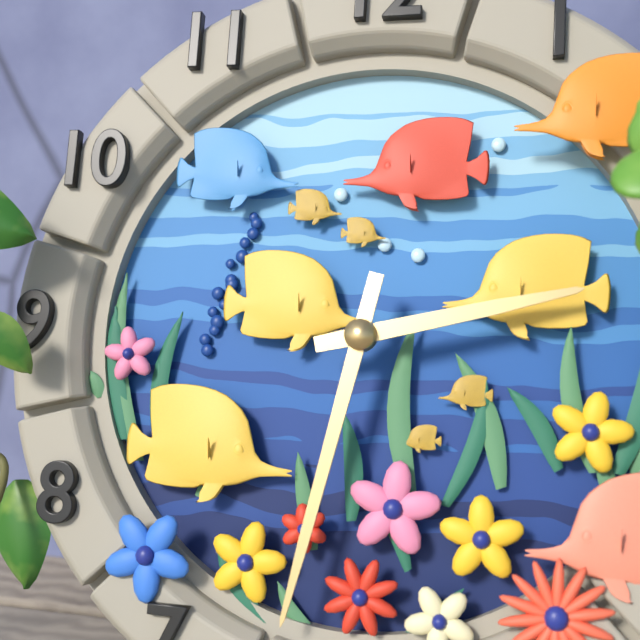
{"hour": 2, "minute": 32}
